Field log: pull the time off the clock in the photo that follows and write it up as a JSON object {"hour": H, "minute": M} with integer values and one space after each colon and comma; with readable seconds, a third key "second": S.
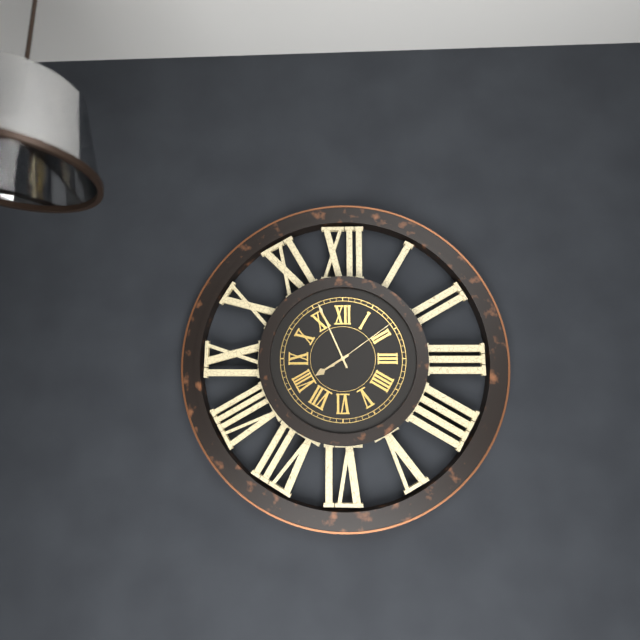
{"hour": 7, "minute": 56, "second": 9}
